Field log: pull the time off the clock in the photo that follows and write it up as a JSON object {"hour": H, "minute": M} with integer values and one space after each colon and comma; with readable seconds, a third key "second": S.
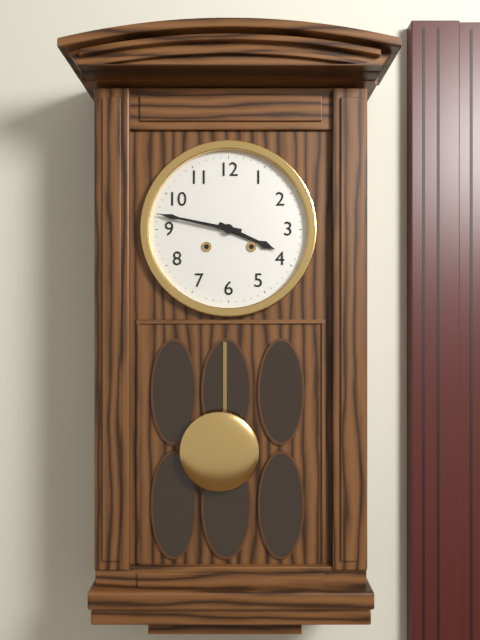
{"hour": 3, "minute": 47}
